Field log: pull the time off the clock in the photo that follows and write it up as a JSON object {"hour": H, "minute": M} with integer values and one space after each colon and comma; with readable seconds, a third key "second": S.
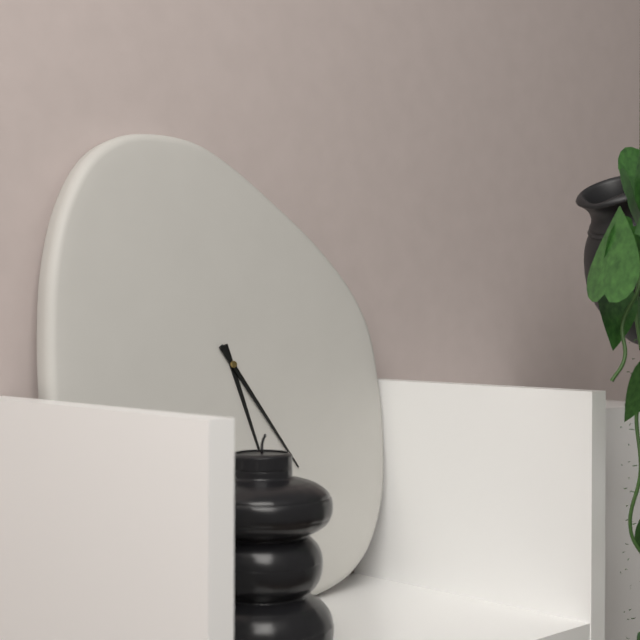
{"hour": 5, "minute": 24}
